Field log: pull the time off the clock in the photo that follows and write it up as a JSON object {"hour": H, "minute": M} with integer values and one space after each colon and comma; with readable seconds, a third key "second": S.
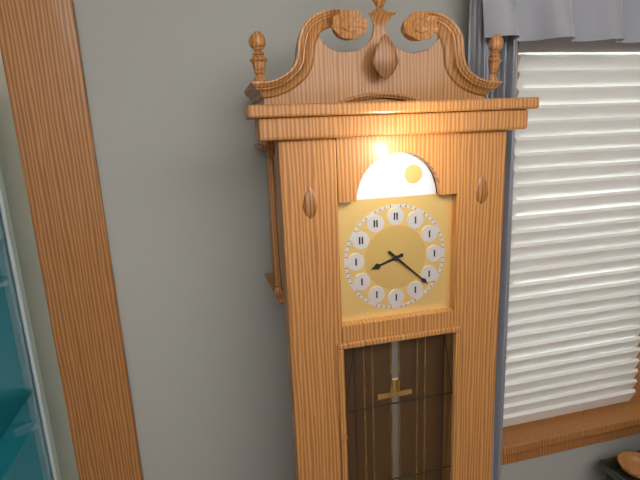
{"hour": 8, "minute": 22}
